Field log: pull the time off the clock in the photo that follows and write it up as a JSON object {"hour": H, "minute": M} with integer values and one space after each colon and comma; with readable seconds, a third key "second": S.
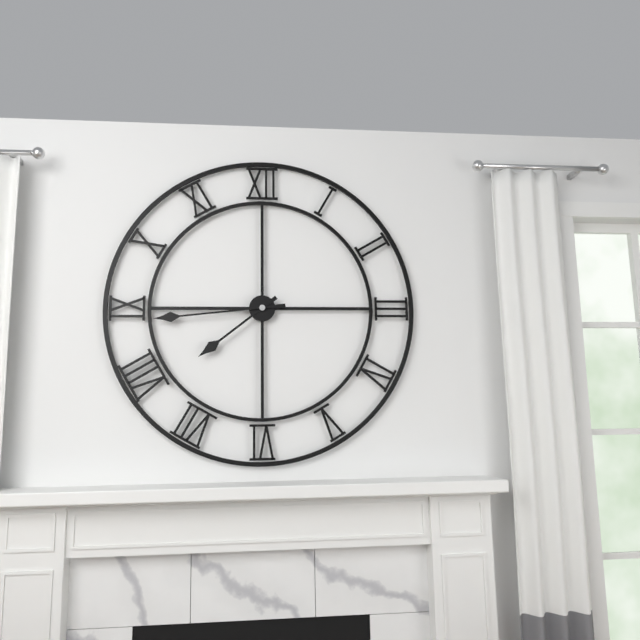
{"hour": 7, "minute": 44}
